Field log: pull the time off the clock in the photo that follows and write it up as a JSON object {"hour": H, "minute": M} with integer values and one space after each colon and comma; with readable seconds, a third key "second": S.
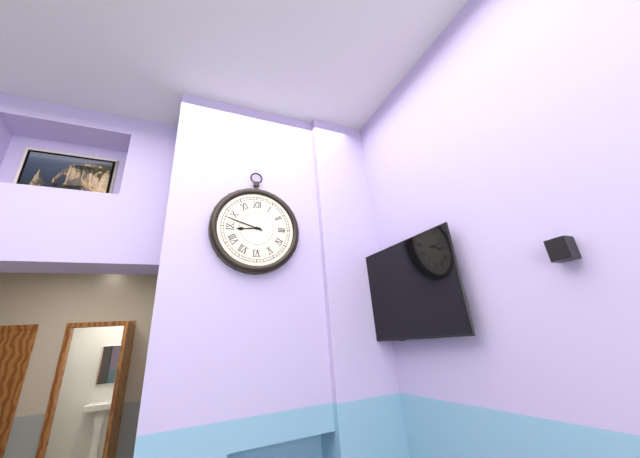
{"hour": 8, "minute": 48}
